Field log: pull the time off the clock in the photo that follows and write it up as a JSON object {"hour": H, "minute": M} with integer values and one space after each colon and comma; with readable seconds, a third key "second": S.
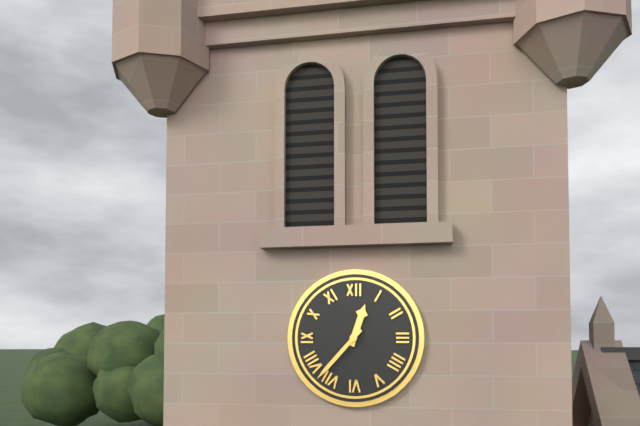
{"hour": 12, "minute": 37}
